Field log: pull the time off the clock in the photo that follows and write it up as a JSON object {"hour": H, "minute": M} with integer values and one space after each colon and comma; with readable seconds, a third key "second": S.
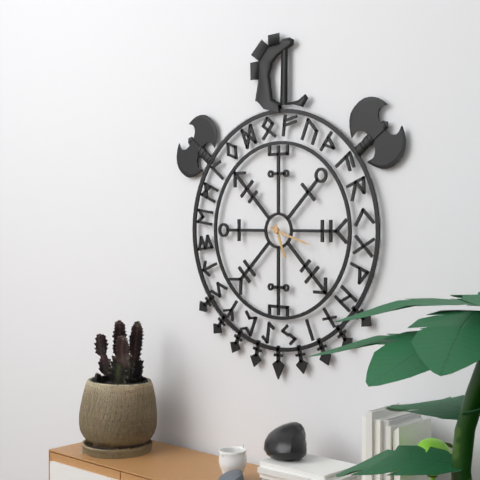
{"hour": 5, "minute": 18}
